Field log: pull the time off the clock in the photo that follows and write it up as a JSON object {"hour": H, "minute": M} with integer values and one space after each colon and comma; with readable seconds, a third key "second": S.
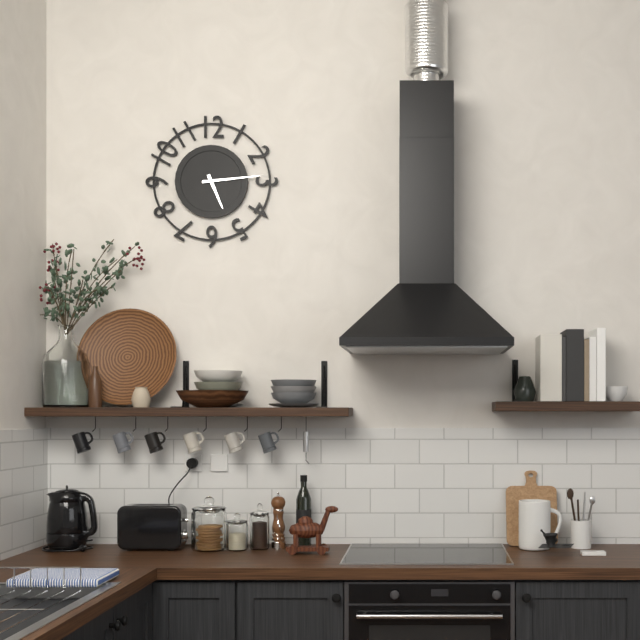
{"hour": 5, "minute": 14}
